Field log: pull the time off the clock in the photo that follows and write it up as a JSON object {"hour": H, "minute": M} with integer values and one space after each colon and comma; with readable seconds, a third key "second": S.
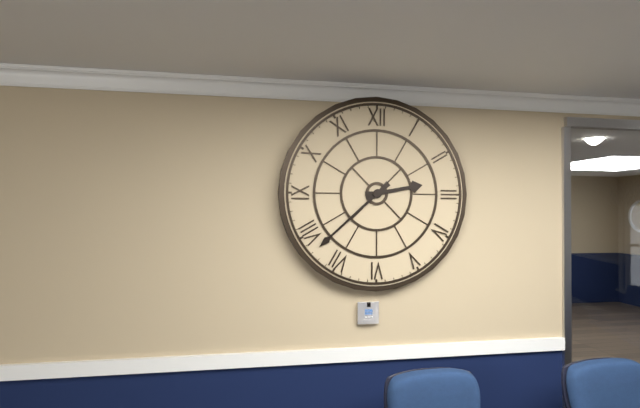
{"hour": 2, "minute": 38}
